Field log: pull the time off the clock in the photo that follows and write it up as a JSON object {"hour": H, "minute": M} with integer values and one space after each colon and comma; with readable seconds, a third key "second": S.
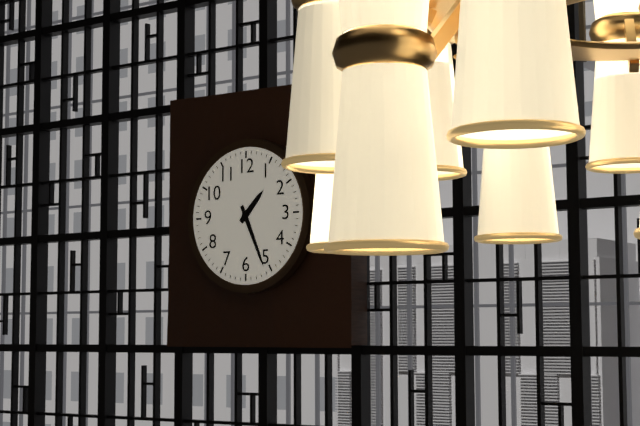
{"hour": 1, "minute": 26}
